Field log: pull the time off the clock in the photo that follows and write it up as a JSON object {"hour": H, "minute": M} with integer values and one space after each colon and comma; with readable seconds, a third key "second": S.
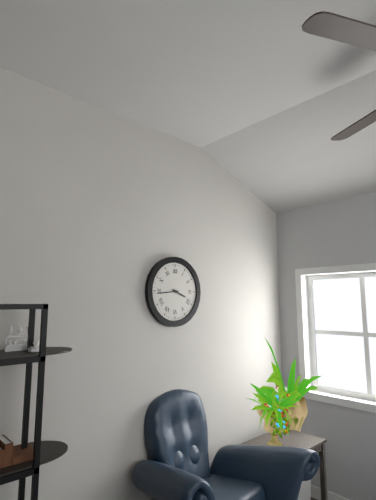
{"hour": 3, "minute": 44}
